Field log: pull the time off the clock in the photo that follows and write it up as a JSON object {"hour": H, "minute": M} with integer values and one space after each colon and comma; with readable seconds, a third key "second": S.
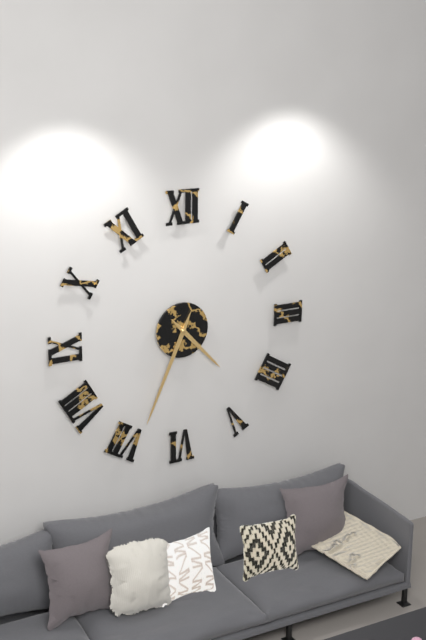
{"hour": 4, "minute": 34}
